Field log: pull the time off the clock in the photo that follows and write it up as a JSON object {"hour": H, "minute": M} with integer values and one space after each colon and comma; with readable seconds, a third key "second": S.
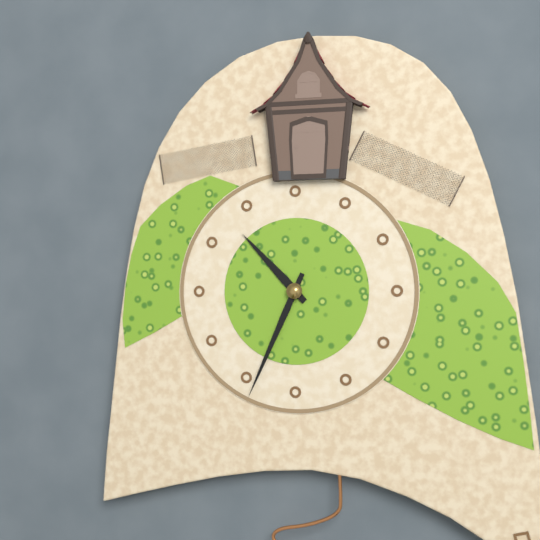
{"hour": 10, "minute": 34}
